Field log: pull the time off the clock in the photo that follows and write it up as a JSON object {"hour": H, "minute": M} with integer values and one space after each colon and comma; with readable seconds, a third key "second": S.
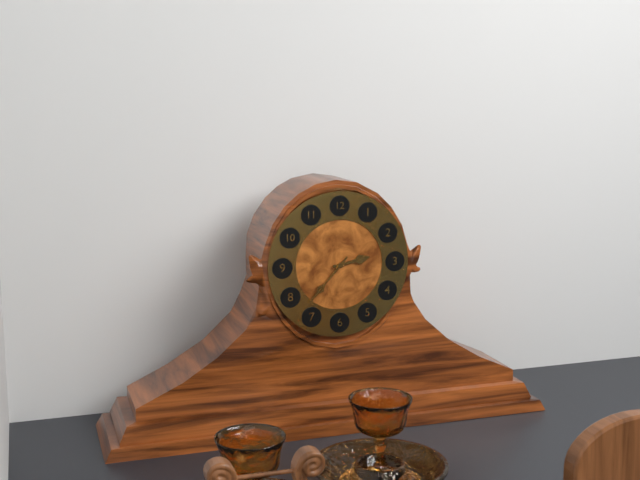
{"hour": 2, "minute": 37}
